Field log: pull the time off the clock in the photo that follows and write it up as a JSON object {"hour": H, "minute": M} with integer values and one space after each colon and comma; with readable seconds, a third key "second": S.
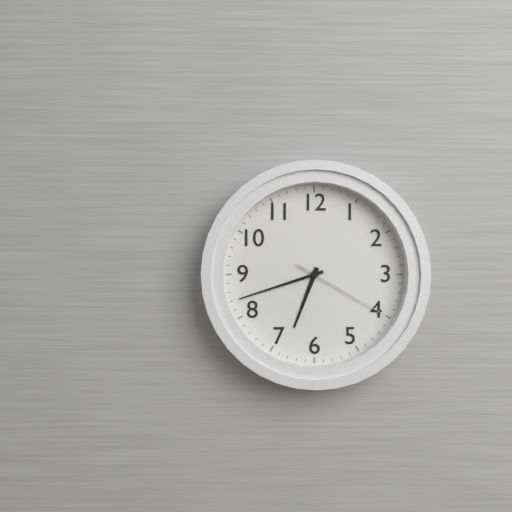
{"hour": 6, "minute": 42, "second": 20}
